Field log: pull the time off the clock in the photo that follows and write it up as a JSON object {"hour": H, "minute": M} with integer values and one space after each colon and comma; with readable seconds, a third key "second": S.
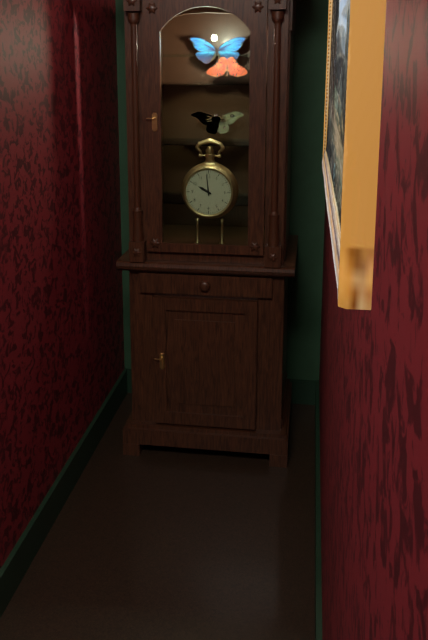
{"hour": 9, "minute": 59}
